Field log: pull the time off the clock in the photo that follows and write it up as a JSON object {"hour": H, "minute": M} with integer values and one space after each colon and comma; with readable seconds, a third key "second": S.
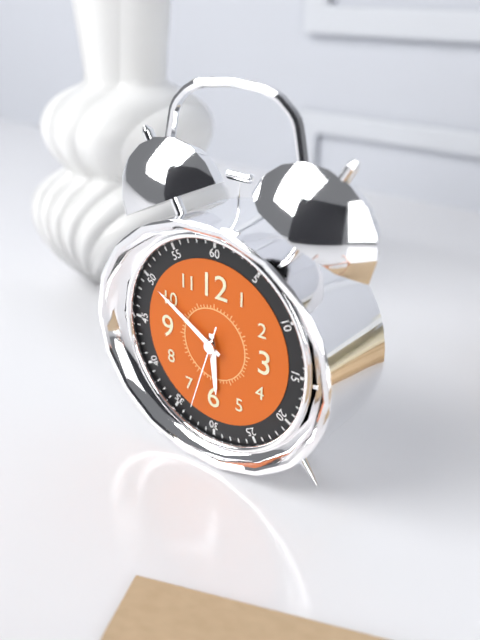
{"hour": 5, "minute": 50, "second": 33}
